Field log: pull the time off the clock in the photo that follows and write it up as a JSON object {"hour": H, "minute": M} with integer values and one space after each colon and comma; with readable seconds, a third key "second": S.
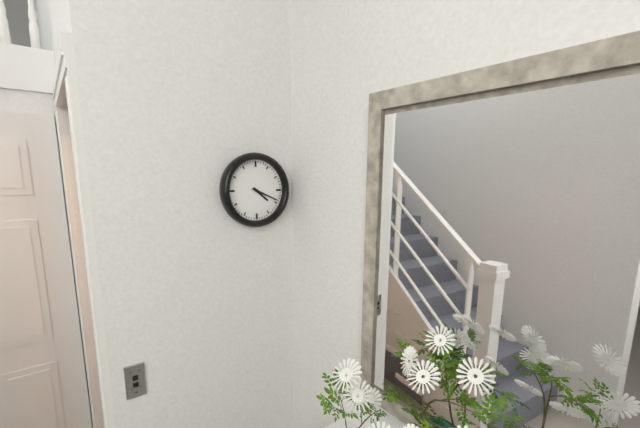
{"hour": 4, "minute": 19}
